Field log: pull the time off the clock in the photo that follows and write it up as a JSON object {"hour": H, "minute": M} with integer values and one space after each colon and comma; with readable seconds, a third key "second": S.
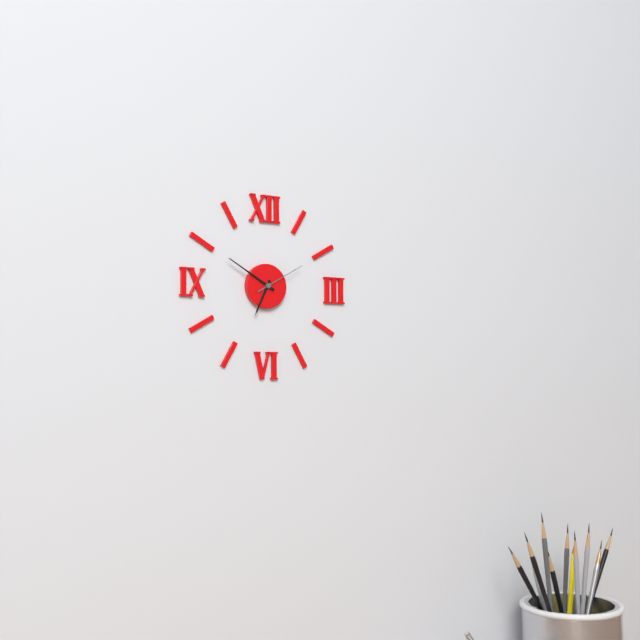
{"hour": 6, "minute": 50, "second": 10}
